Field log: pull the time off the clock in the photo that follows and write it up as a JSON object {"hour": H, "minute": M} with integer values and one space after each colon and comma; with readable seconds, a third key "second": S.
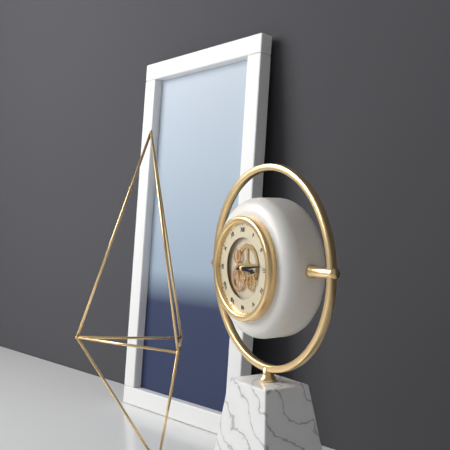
{"hour": 3, "minute": 14}
